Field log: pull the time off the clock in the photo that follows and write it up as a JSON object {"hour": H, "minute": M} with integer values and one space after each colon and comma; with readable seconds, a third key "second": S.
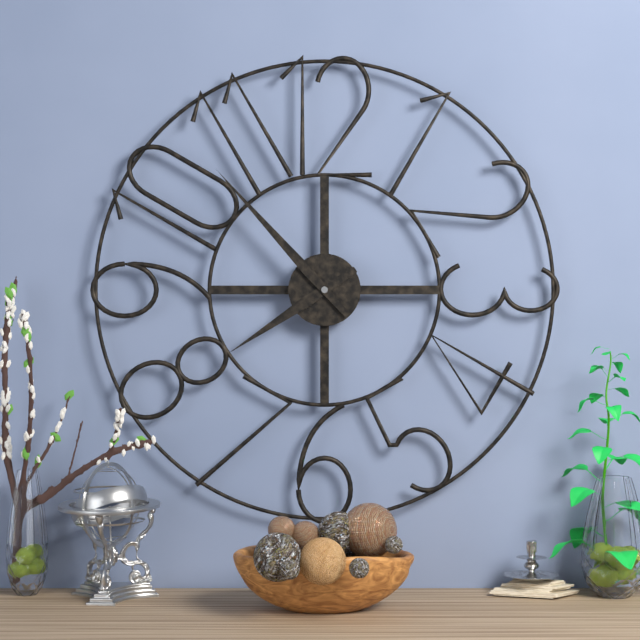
{"hour": 7, "minute": 53}
